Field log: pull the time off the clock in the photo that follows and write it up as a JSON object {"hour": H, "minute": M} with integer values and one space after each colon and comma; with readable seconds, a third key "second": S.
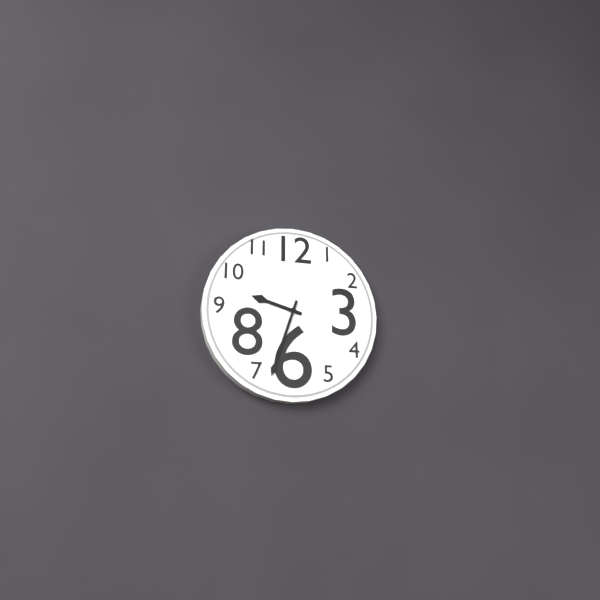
{"hour": 9, "minute": 33}
